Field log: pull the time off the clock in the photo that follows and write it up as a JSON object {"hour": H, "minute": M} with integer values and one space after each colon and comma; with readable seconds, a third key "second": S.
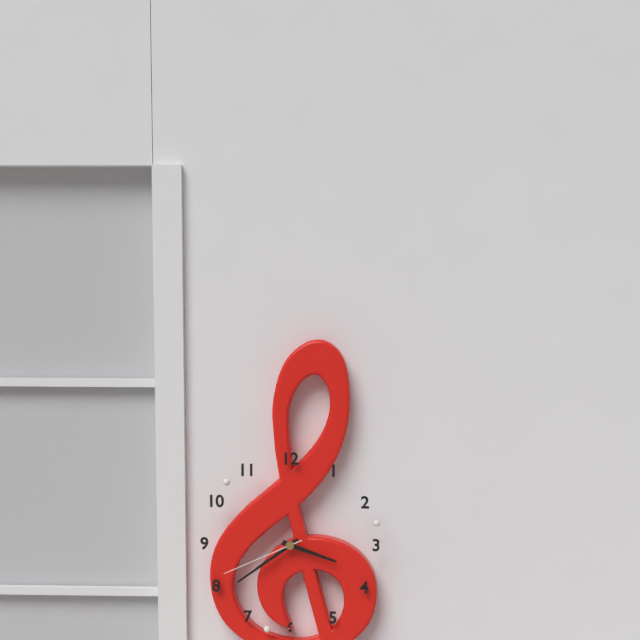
{"hour": 3, "minute": 39, "second": 41}
